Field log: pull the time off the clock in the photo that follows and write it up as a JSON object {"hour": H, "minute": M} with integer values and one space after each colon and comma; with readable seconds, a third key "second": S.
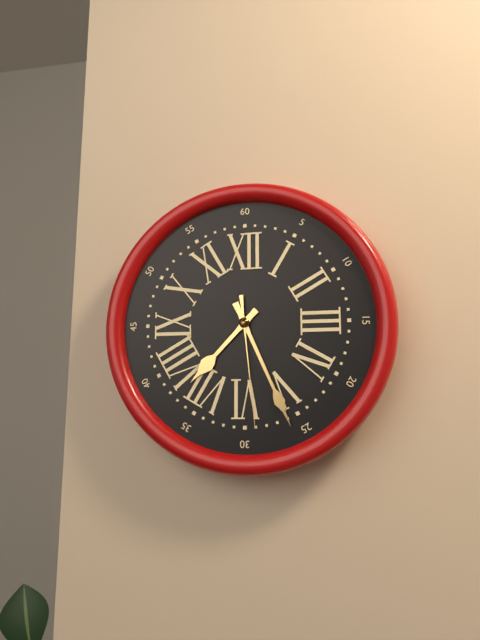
{"hour": 7, "minute": 26, "second": 29}
